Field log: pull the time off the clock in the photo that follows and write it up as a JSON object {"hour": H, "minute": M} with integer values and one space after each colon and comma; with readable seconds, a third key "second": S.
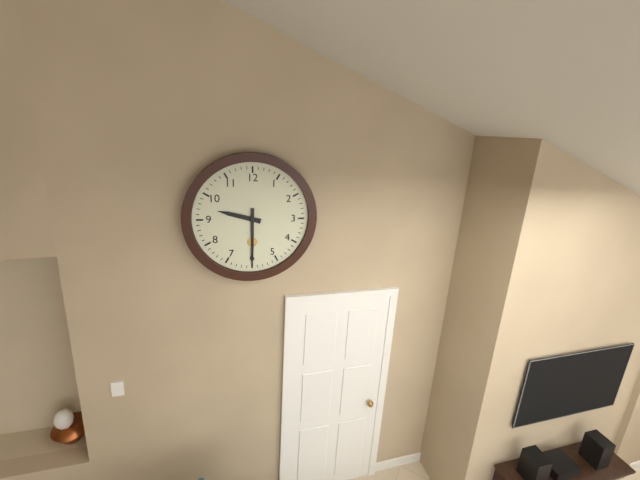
{"hour": 9, "minute": 30}
